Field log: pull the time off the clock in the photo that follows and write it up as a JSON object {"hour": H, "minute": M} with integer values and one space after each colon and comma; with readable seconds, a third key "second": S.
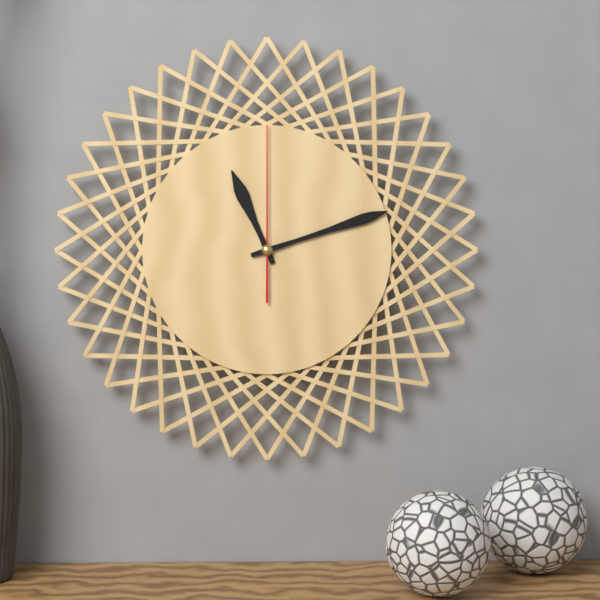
{"hour": 11, "minute": 12, "second": 0}
